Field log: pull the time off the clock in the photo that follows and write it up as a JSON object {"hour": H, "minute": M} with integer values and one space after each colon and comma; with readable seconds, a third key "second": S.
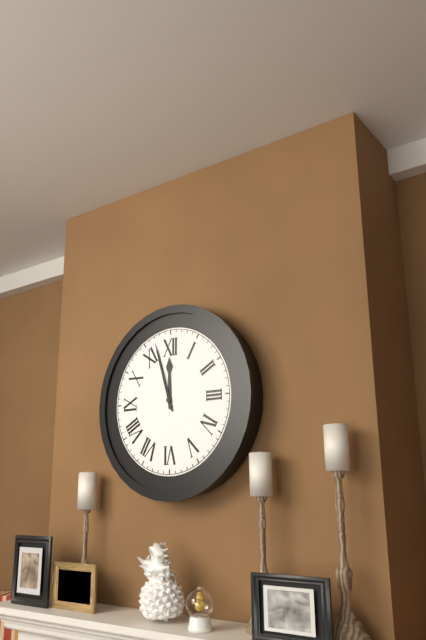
{"hour": 11, "minute": 57}
